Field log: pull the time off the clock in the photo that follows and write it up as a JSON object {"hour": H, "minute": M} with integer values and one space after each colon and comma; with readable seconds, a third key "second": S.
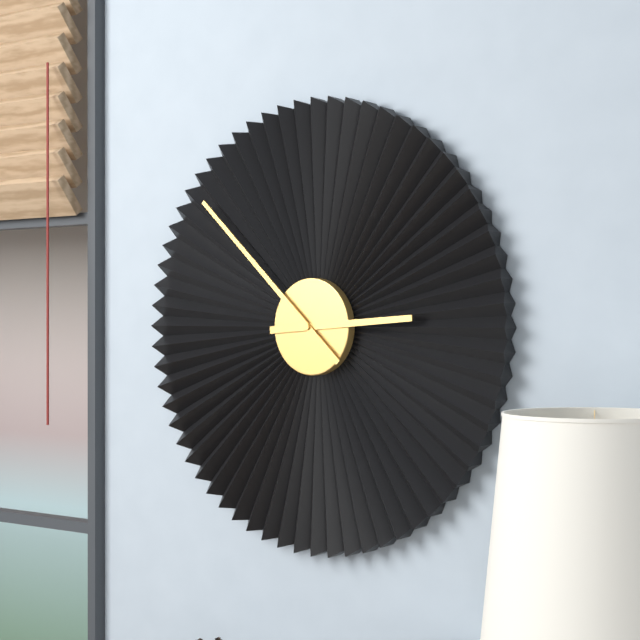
{"hour": 2, "minute": 52}
